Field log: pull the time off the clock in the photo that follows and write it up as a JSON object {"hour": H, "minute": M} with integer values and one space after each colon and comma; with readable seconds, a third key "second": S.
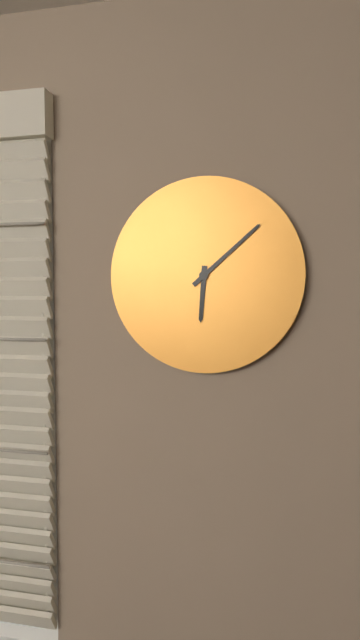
{"hour": 6, "minute": 8}
